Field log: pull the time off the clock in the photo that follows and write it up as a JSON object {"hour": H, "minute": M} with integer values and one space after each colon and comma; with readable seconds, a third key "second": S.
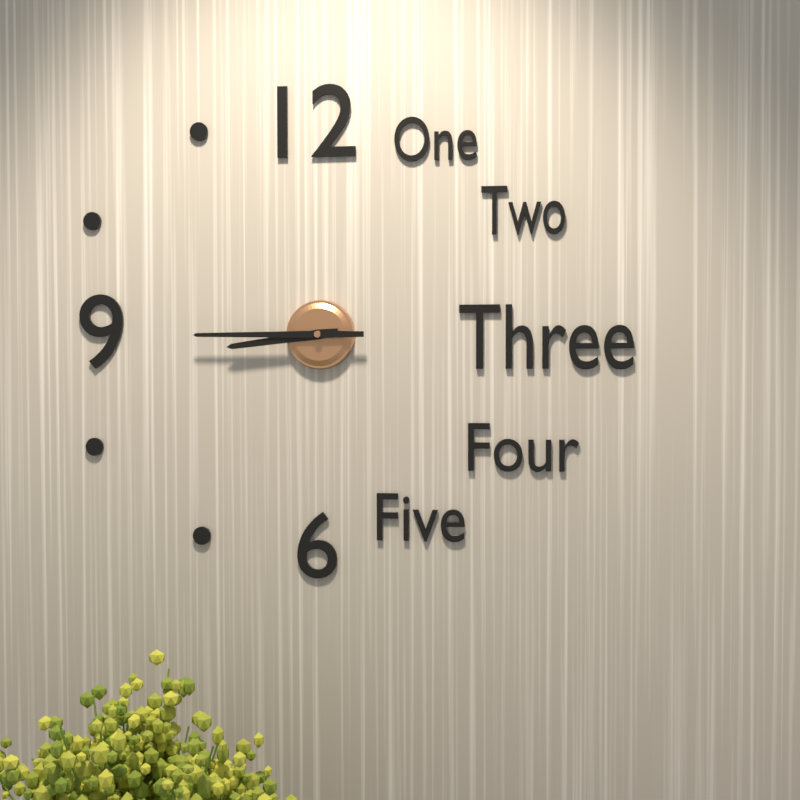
{"hour": 8, "minute": 45}
